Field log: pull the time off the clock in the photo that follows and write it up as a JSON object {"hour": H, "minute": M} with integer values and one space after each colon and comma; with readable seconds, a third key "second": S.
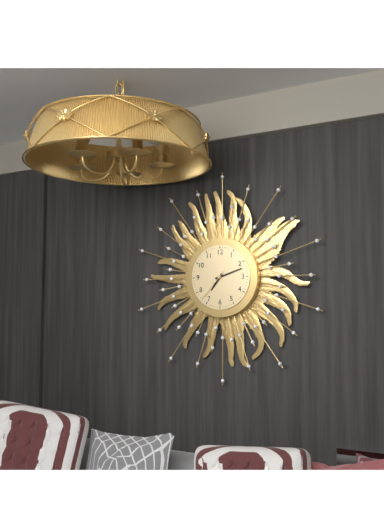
{"hour": 7, "minute": 12}
